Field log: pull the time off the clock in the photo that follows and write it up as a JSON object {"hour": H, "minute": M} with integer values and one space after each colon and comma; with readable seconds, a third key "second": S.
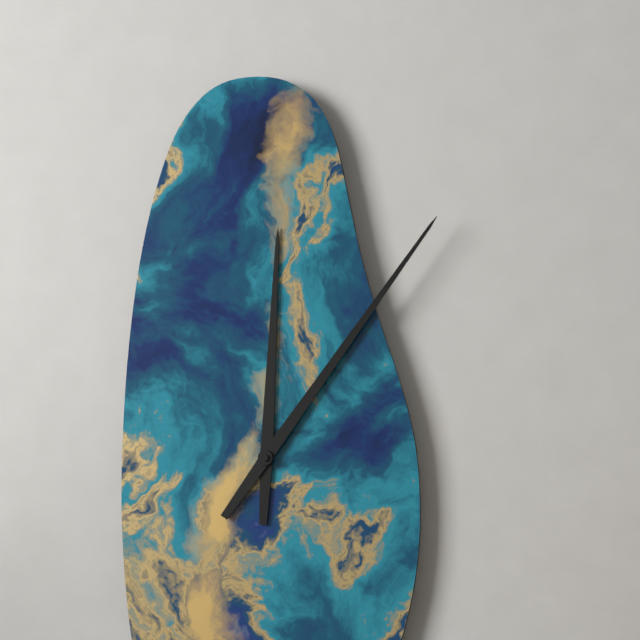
{"hour": 12, "minute": 6}
